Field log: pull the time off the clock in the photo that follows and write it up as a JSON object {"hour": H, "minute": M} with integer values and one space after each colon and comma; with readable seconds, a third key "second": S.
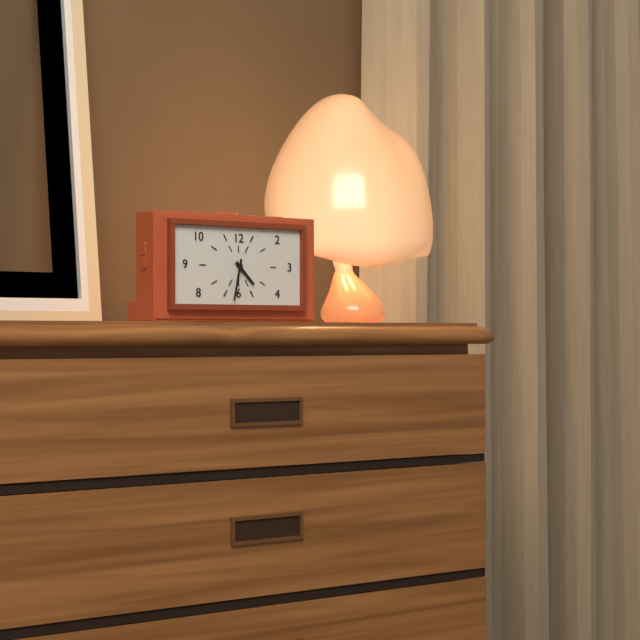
{"hour": 4, "minute": 32}
